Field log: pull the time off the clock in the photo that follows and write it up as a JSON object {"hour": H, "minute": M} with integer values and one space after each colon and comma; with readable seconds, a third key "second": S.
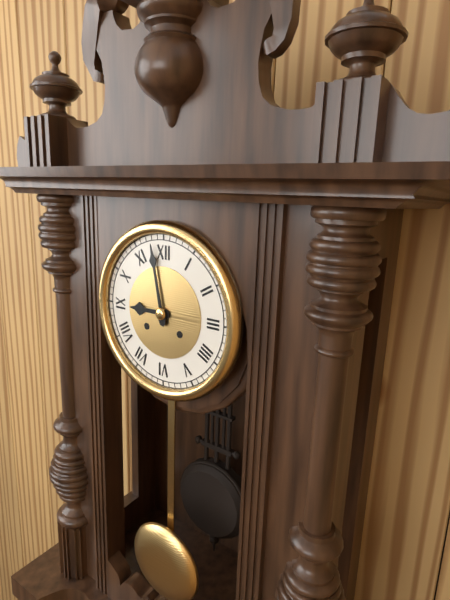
{"hour": 8, "minute": 58}
